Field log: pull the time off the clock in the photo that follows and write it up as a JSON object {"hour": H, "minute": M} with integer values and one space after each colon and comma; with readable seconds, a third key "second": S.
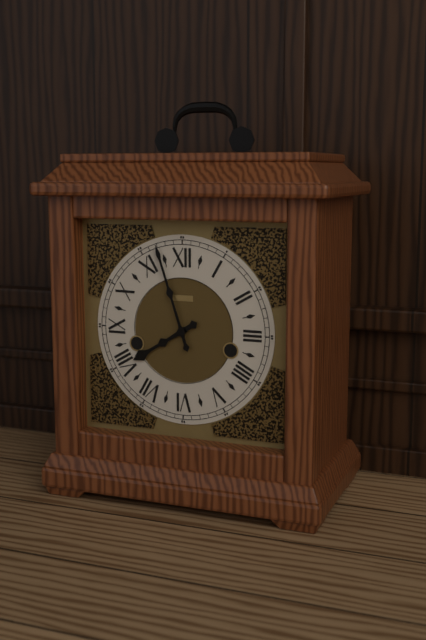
{"hour": 7, "minute": 57}
